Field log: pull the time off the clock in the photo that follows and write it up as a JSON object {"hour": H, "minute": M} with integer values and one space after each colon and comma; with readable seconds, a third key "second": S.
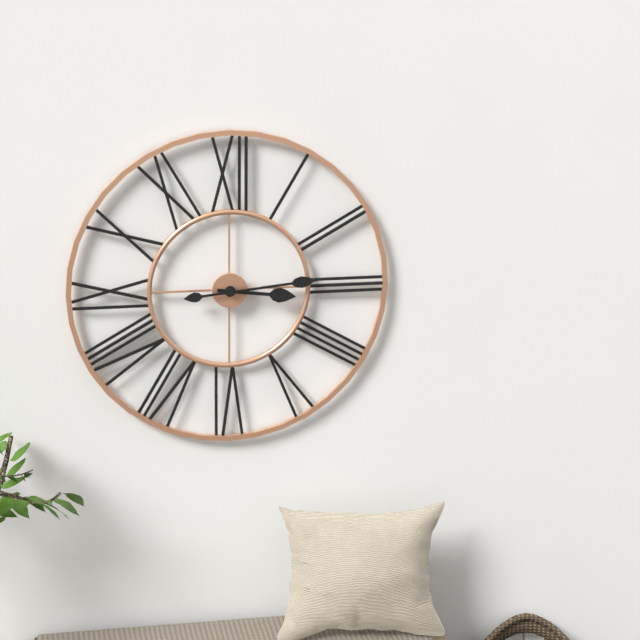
{"hour": 3, "minute": 14}
